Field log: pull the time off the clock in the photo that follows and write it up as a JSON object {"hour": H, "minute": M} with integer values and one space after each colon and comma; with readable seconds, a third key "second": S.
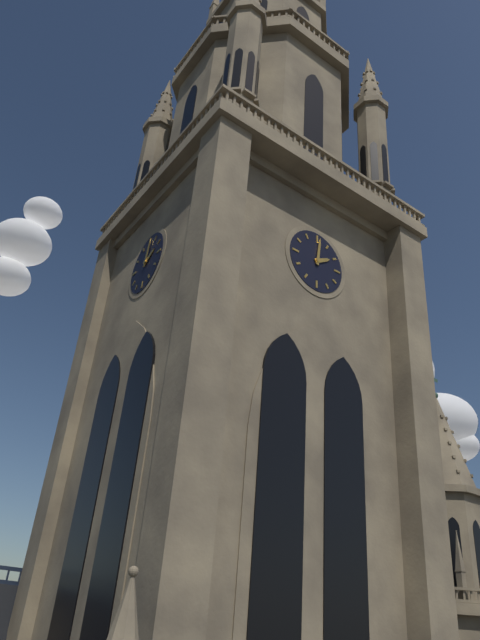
{"hour": 2, "minute": 1}
